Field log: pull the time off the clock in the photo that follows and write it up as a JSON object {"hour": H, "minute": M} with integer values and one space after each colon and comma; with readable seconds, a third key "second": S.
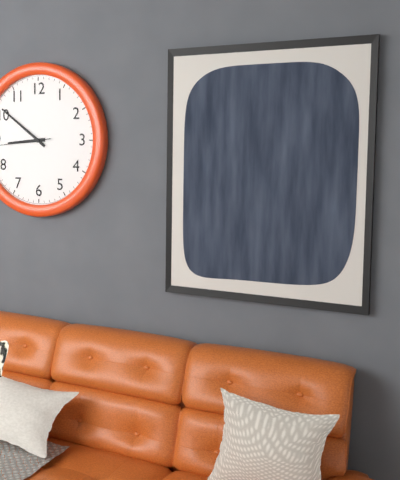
{"hour": 8, "minute": 51}
